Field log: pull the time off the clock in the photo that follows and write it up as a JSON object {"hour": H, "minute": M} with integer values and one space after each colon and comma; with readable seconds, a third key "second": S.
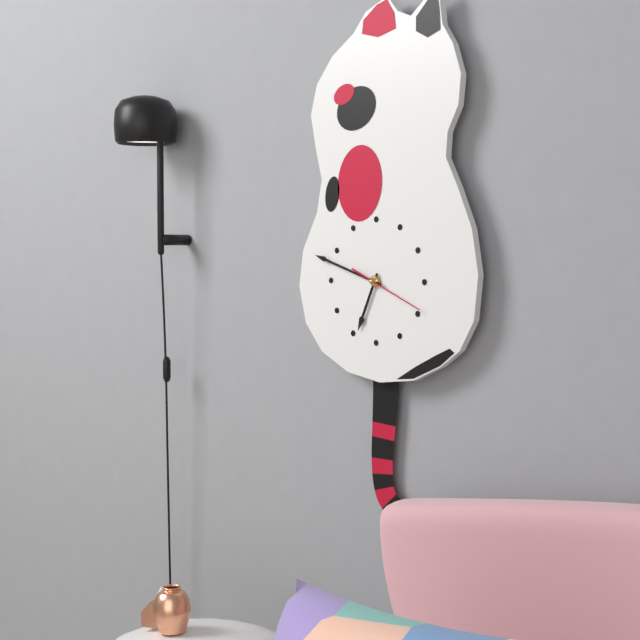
{"hour": 6, "minute": 48, "second": 19}
